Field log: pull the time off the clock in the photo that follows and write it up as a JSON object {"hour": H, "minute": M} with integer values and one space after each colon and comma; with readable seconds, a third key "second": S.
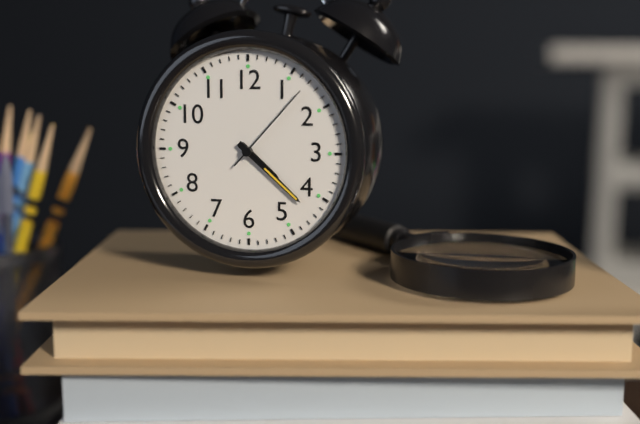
{"hour": 4, "minute": 22, "second": 7}
